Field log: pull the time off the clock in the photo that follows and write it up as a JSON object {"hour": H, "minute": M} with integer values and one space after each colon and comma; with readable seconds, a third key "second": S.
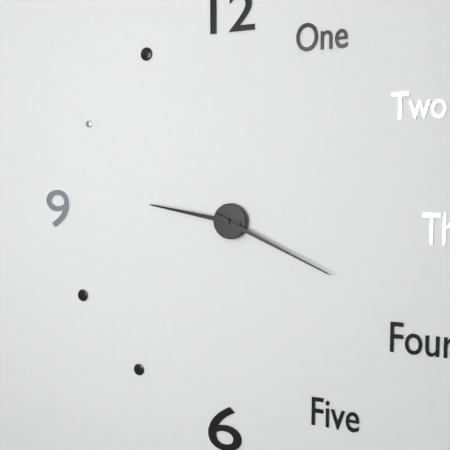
{"hour": 9, "minute": 19}
